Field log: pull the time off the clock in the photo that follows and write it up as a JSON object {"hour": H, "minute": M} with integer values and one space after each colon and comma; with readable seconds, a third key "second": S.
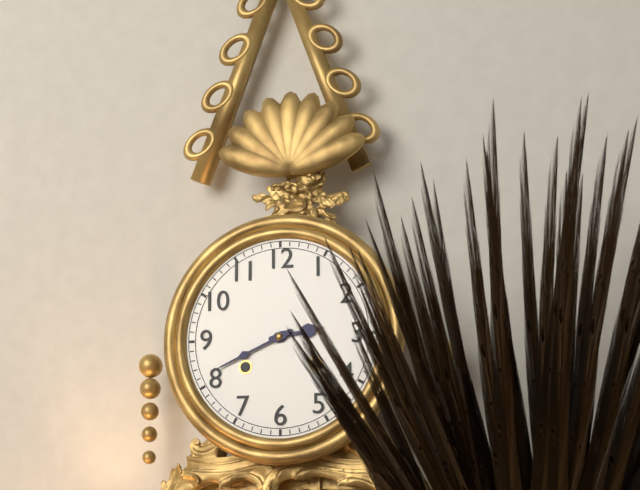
{"hour": 2, "minute": 41}
